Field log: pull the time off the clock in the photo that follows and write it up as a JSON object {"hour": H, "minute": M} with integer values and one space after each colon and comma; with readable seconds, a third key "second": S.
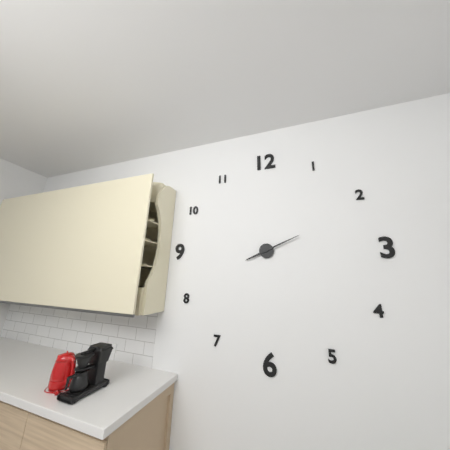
{"hour": 8, "minute": 11}
